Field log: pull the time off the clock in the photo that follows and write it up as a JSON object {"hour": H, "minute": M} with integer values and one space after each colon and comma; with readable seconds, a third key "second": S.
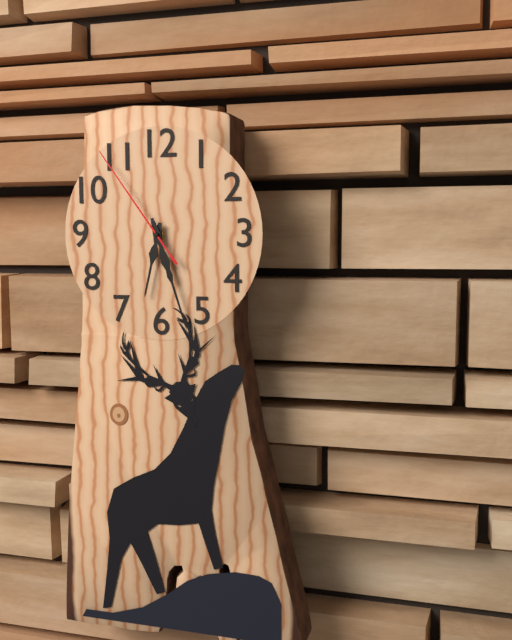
{"hour": 6, "minute": 27, "second": 54}
